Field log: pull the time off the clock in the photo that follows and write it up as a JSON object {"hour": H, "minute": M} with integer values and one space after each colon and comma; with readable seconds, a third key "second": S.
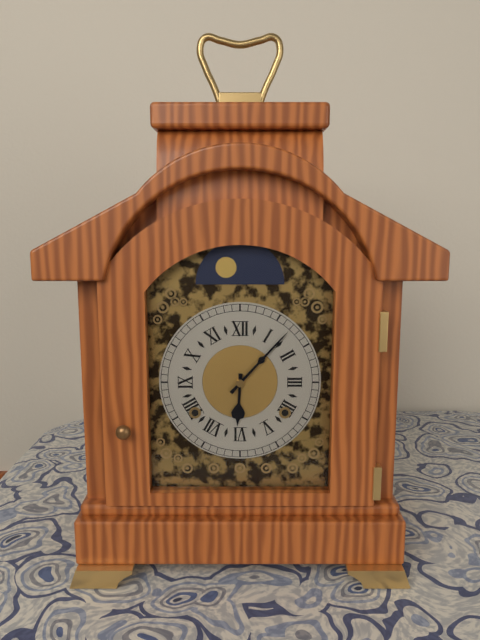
{"hour": 6, "minute": 7}
